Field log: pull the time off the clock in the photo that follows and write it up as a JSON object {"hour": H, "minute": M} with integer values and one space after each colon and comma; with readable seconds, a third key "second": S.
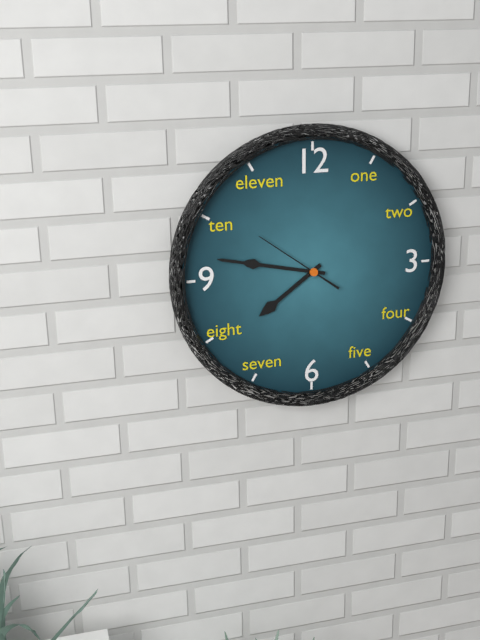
{"hour": 7, "minute": 47, "second": 51}
